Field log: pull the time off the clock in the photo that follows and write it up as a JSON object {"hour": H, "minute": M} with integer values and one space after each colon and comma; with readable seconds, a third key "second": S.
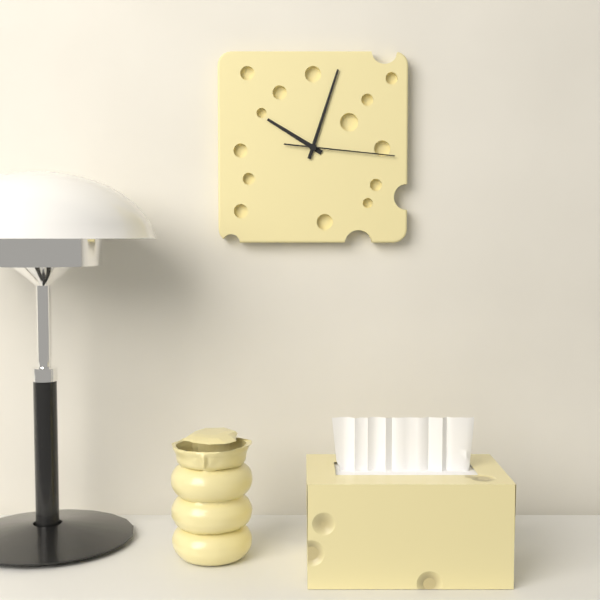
{"hour": 10, "minute": 3, "second": 16}
